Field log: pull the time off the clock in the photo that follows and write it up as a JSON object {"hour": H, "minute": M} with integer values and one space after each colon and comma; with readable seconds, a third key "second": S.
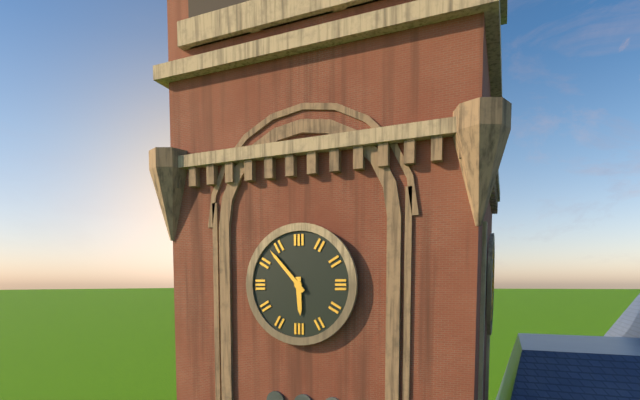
{"hour": 5, "minute": 53}
